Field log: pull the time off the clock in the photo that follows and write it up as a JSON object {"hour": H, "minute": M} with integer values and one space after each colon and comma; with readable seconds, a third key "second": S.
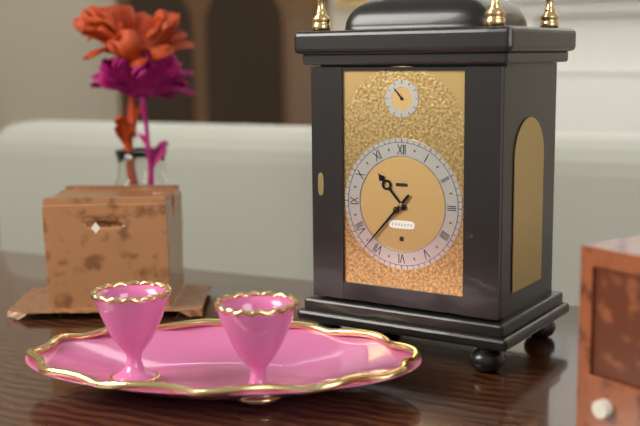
{"hour": 10, "minute": 37}
